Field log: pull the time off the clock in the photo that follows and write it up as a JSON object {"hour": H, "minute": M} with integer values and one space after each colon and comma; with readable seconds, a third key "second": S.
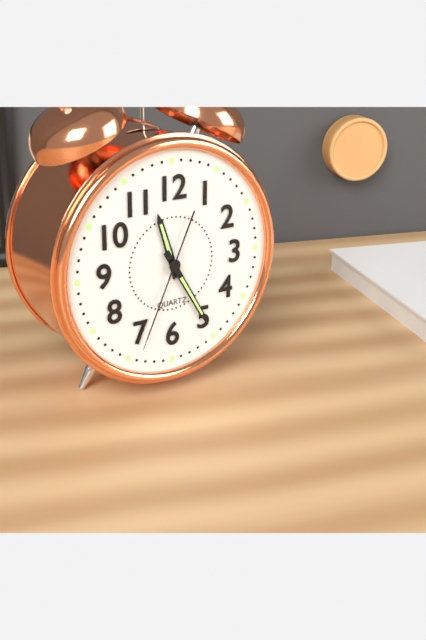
{"hour": 11, "minute": 25, "second": 34}
